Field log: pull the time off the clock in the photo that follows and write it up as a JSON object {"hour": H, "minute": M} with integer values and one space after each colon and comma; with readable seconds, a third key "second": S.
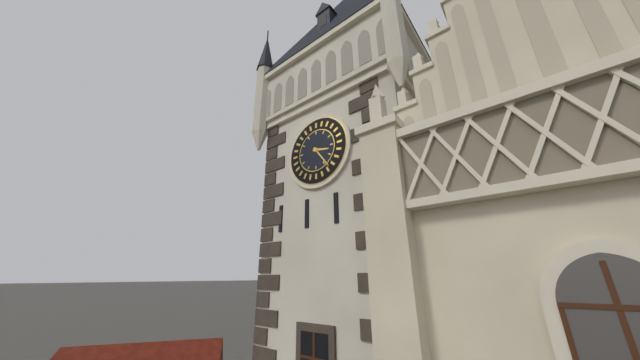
{"hour": 3, "minute": 24}
